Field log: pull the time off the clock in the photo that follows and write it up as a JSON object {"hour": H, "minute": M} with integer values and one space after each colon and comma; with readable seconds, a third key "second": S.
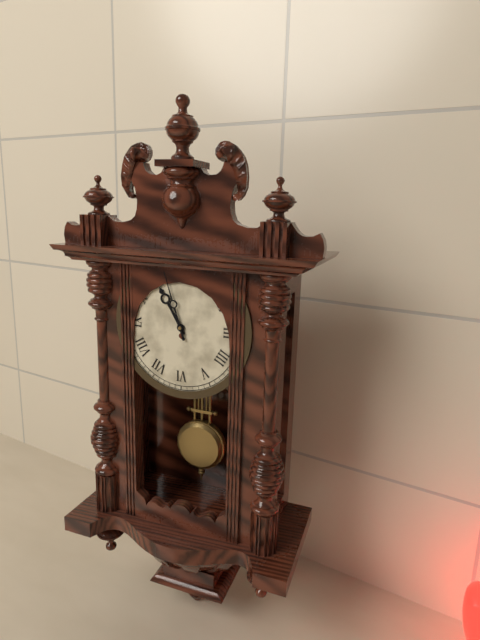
{"hour": 10, "minute": 57}
